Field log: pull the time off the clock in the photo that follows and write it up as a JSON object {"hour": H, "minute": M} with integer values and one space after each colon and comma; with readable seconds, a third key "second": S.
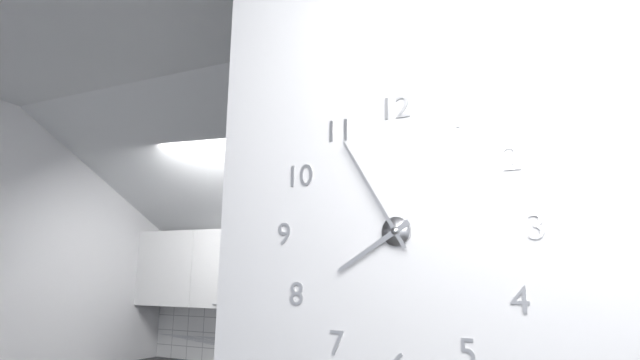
{"hour": 7, "minute": 55}
